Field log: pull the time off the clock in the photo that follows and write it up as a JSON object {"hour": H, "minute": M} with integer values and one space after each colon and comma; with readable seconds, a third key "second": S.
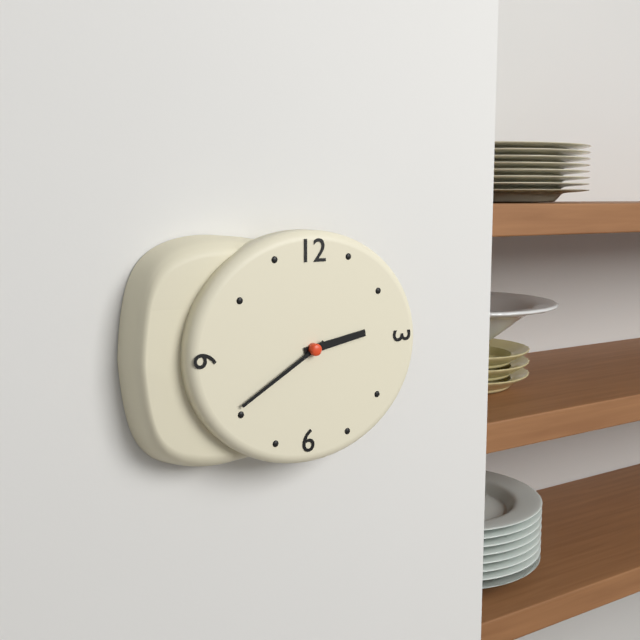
{"hour": 2, "minute": 40}
